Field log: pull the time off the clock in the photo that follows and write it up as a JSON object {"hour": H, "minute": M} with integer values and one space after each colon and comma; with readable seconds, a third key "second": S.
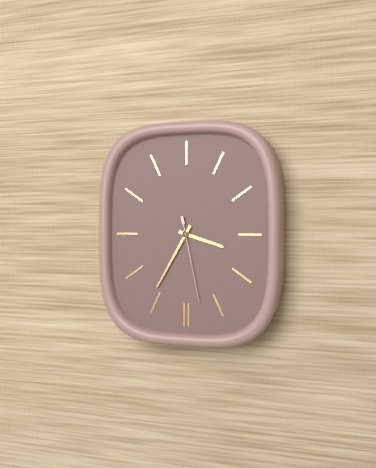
{"hour": 3, "minute": 35, "second": 28}
